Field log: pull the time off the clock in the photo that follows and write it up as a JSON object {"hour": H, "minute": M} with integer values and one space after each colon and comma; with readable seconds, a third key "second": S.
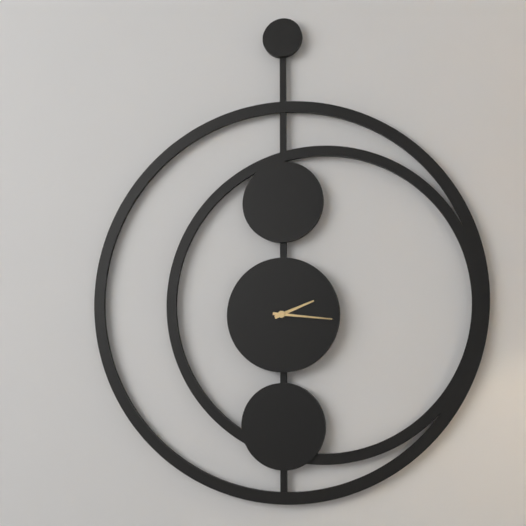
{"hour": 2, "minute": 16}
